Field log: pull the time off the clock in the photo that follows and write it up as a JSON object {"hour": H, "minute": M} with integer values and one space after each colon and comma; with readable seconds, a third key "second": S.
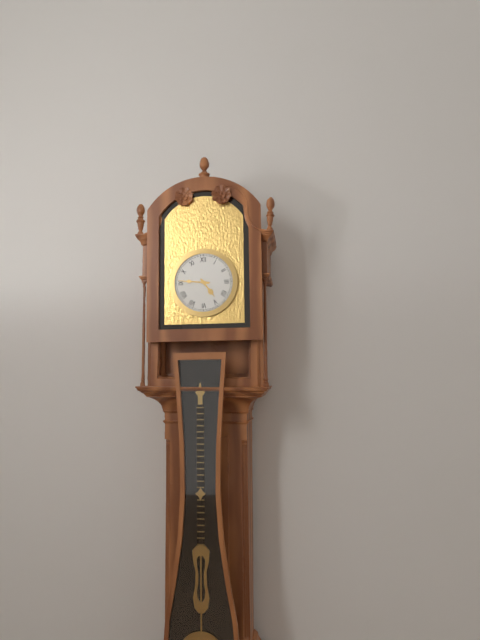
{"hour": 4, "minute": 46}
